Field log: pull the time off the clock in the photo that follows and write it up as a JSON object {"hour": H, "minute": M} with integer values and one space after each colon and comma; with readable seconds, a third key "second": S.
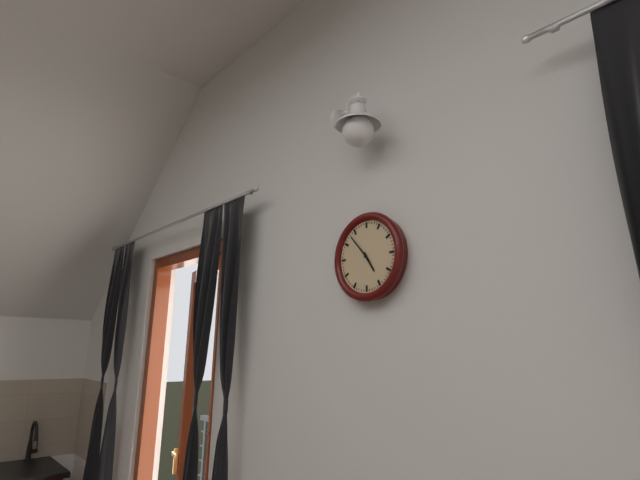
{"hour": 4, "minute": 53}
